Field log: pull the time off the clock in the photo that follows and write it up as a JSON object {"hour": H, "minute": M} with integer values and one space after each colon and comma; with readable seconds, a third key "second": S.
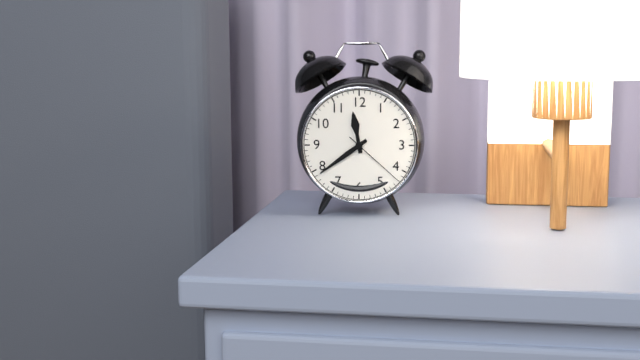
{"hour": 11, "minute": 39, "second": 22}
